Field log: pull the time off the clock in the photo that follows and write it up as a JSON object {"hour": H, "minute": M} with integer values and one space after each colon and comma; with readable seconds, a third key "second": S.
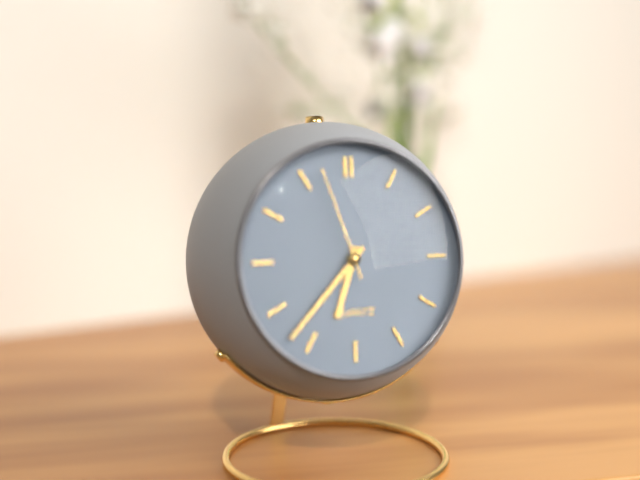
{"hour": 6, "minute": 37, "second": 57}
